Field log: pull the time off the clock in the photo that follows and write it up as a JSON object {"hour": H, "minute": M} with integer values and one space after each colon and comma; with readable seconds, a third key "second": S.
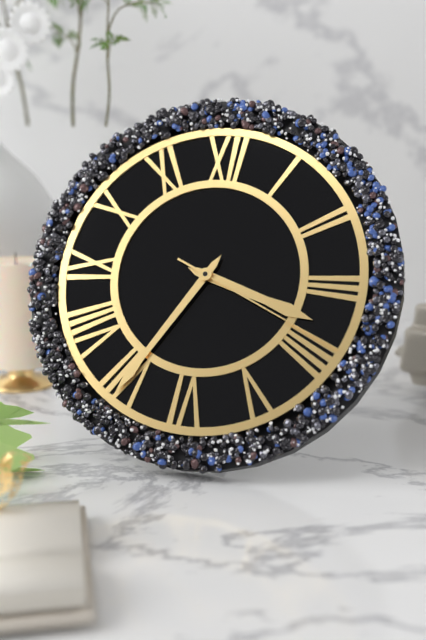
{"hour": 3, "minute": 35, "second": 19}
